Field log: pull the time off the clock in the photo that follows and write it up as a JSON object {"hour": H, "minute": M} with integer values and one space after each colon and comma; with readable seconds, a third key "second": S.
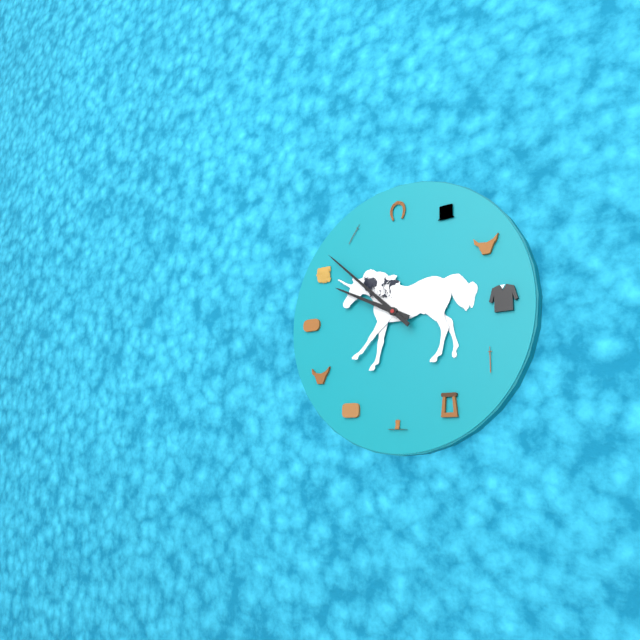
{"hour": 9, "minute": 52}
